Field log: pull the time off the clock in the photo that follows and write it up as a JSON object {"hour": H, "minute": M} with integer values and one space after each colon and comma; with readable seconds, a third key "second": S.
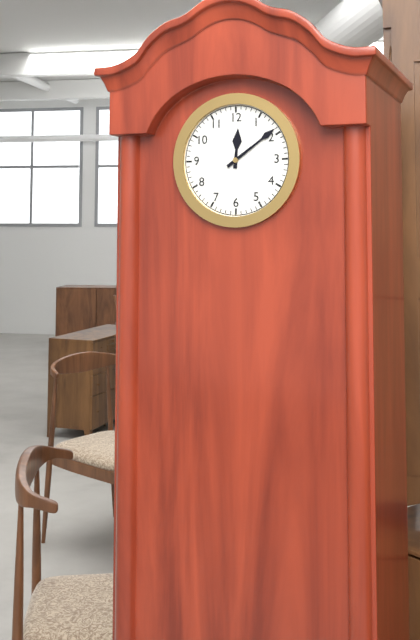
{"hour": 12, "minute": 9}
